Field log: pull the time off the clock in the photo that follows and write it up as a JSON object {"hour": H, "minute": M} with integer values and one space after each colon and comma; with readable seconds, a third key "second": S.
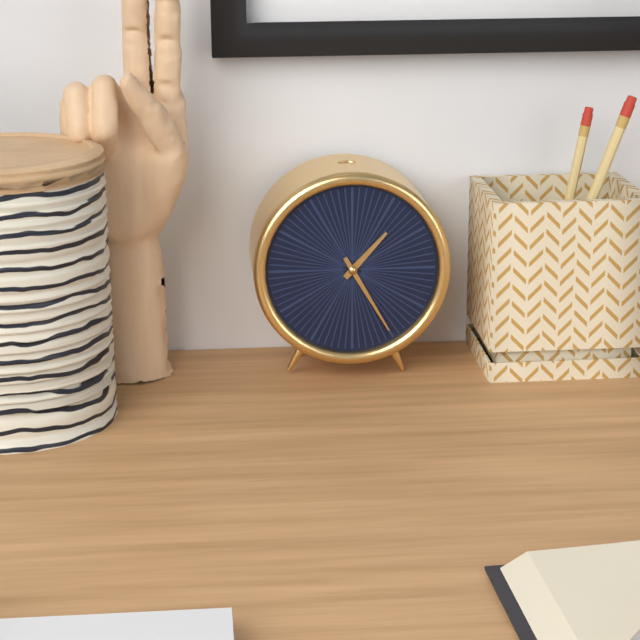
{"hour": 1, "minute": 25}
